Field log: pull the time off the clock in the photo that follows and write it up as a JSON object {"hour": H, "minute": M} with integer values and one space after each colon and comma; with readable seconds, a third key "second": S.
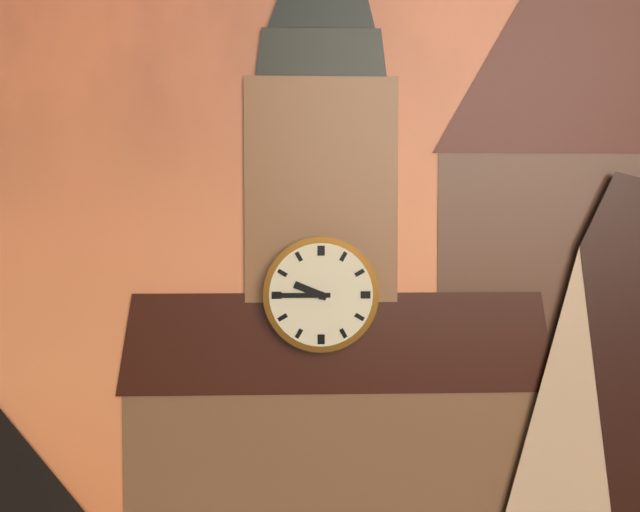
{"hour": 9, "minute": 45}
